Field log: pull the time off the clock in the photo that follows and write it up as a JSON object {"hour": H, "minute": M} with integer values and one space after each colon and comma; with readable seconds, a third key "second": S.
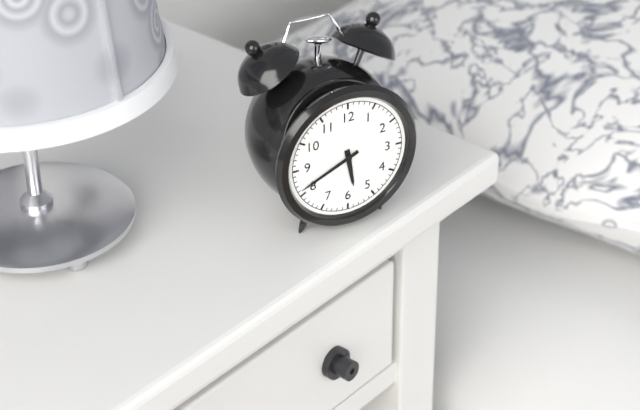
{"hour": 5, "minute": 41}
